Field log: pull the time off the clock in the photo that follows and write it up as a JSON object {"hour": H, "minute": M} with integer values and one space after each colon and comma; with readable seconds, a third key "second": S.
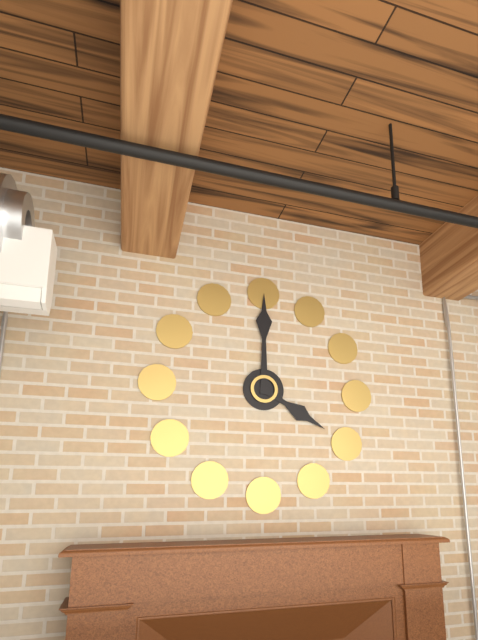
{"hour": 4, "minute": 0}
